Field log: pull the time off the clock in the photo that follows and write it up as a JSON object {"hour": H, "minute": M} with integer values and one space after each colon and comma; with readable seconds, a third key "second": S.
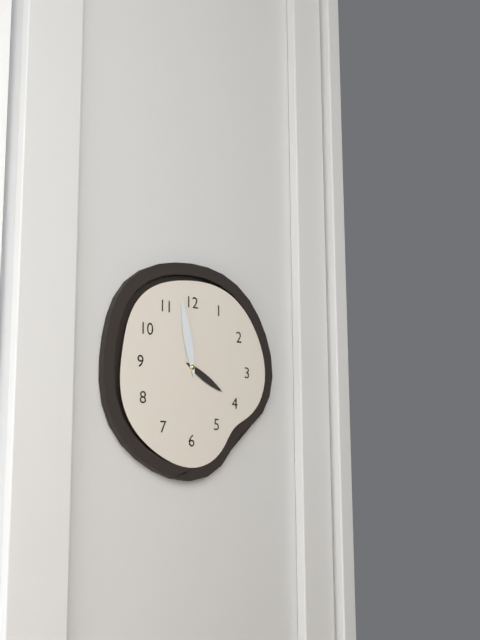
{"hour": 3, "minute": 58}
